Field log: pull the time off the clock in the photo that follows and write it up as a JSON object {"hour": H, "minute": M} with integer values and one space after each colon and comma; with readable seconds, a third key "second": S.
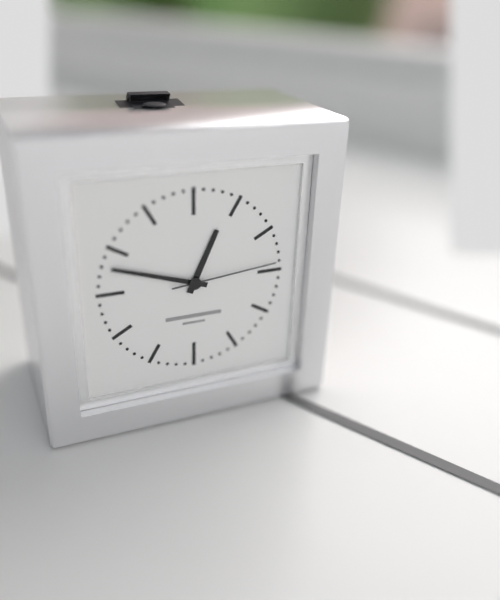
{"hour": 12, "minute": 48, "second": 14}
